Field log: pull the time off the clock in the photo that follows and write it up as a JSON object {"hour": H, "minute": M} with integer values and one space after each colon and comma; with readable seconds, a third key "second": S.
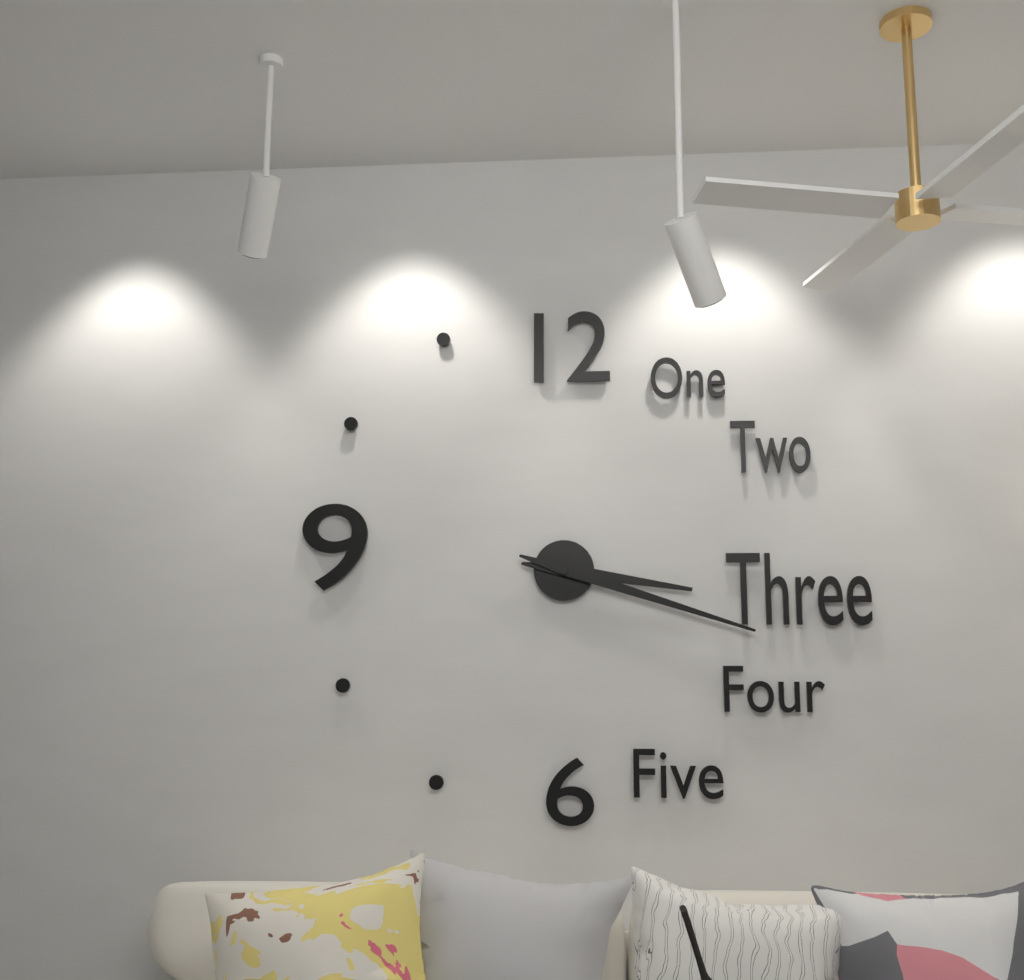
{"hour": 3, "minute": 18}
